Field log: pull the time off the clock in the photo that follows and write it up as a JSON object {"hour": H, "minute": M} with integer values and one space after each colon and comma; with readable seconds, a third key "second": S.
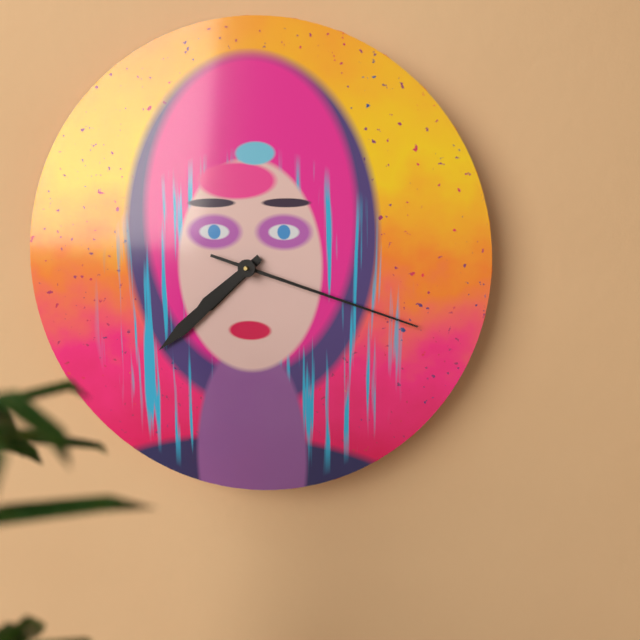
{"hour": 7, "minute": 38, "second": 18}
